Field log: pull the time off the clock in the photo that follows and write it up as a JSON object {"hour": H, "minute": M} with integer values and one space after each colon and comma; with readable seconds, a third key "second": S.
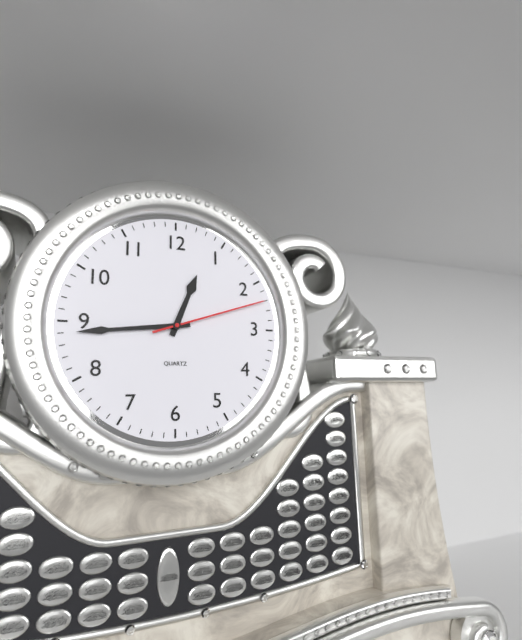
{"hour": 12, "minute": 44, "second": 12}
